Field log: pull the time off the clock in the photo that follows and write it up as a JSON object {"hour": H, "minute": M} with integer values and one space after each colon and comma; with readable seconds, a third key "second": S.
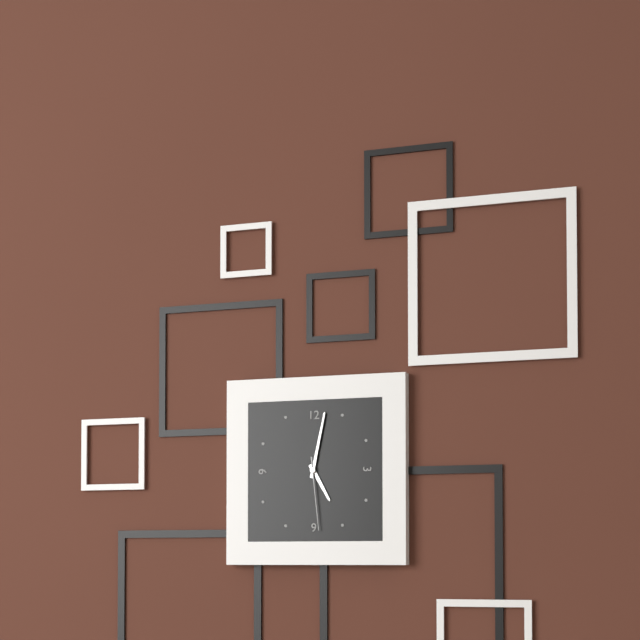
{"hour": 5, "minute": 2, "second": 29}
